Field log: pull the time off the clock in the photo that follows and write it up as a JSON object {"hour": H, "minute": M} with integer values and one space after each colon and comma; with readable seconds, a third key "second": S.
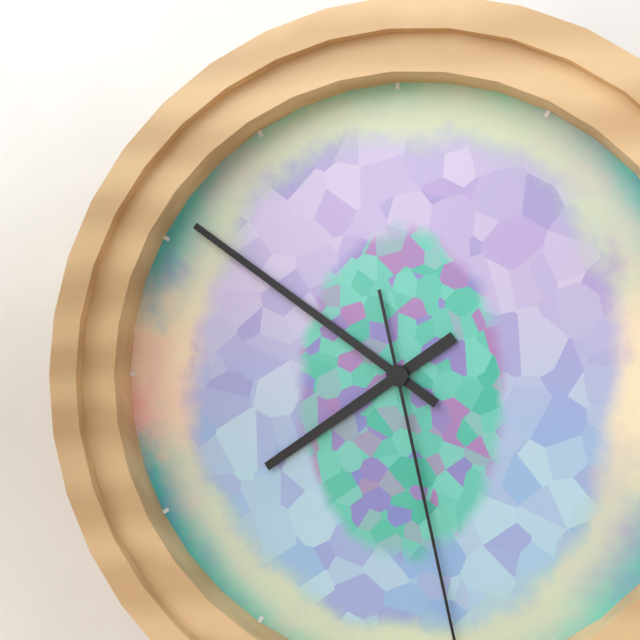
{"hour": 7, "minute": 51}
